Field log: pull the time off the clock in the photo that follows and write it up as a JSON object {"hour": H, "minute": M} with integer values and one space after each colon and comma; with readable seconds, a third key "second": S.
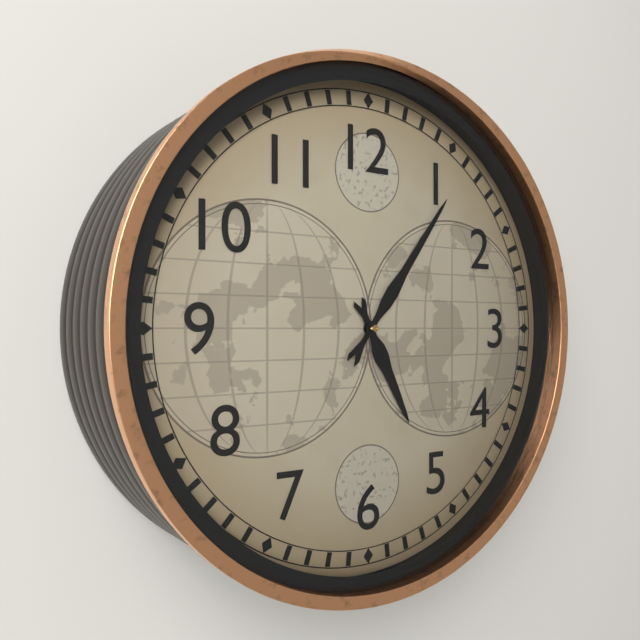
{"hour": 5, "minute": 6}
